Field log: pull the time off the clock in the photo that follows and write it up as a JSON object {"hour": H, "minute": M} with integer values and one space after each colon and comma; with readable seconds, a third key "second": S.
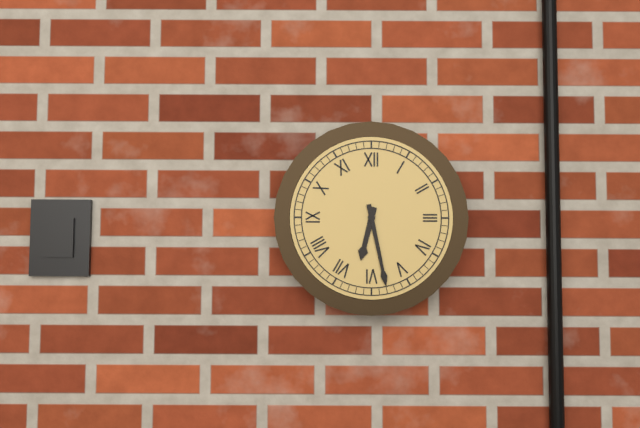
{"hour": 6, "minute": 28}
